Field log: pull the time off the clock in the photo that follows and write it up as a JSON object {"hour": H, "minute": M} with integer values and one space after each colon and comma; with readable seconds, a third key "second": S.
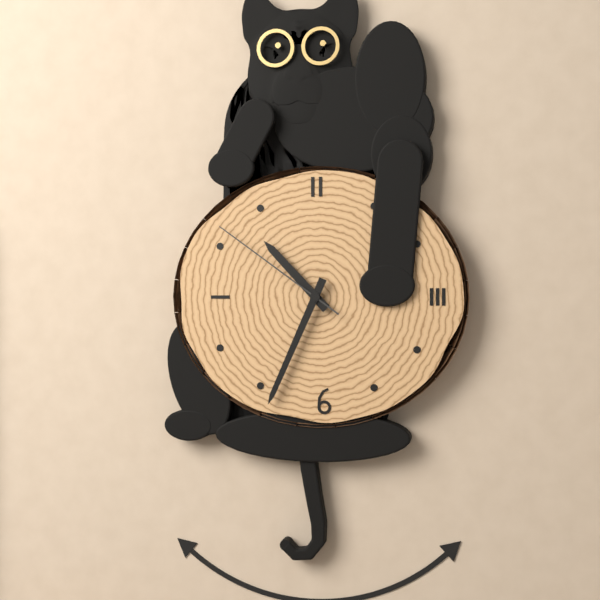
{"hour": 10, "minute": 34, "second": 51}
